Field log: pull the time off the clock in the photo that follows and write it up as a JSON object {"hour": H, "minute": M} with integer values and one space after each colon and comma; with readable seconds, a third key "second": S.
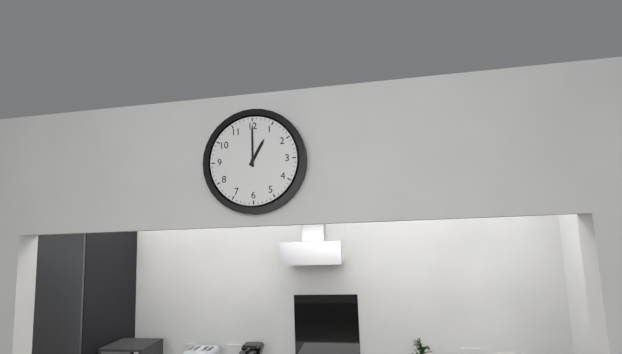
{"hour": 1, "minute": 0}
